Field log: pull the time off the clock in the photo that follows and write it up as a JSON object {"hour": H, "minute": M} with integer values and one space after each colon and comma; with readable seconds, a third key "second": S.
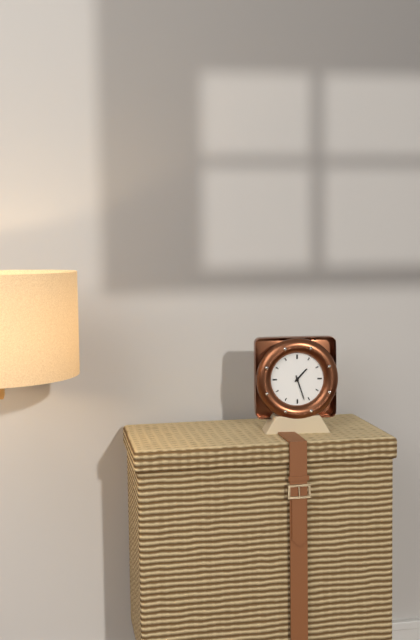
{"hour": 1, "minute": 27}
